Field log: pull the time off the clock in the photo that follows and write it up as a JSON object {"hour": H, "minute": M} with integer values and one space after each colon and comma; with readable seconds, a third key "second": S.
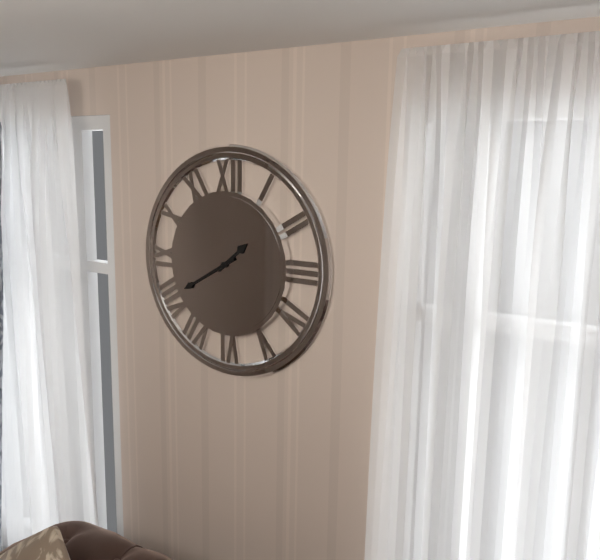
{"hour": 1, "minute": 40}
